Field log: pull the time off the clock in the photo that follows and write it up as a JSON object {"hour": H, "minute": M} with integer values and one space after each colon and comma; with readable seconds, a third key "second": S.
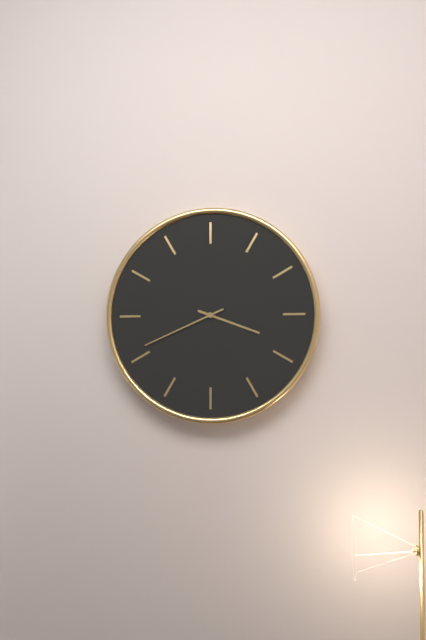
{"hour": 3, "minute": 41}
